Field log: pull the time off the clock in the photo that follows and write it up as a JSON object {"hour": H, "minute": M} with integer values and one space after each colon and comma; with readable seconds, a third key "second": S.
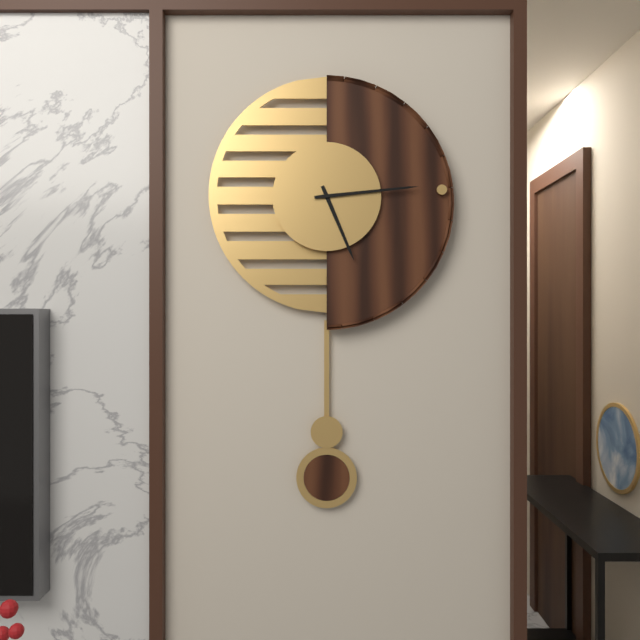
{"hour": 5, "minute": 14}
